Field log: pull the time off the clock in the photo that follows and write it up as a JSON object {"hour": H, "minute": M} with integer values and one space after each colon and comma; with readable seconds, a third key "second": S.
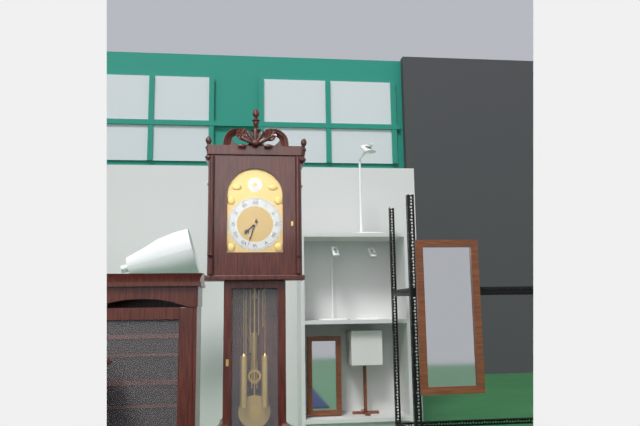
{"hour": 7, "minute": 33}
